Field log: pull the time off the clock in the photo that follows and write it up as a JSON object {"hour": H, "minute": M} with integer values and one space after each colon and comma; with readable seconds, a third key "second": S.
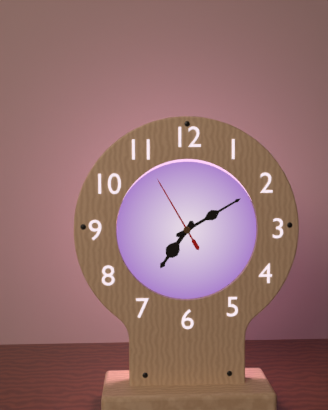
{"hour": 7, "minute": 10, "second": 55}
